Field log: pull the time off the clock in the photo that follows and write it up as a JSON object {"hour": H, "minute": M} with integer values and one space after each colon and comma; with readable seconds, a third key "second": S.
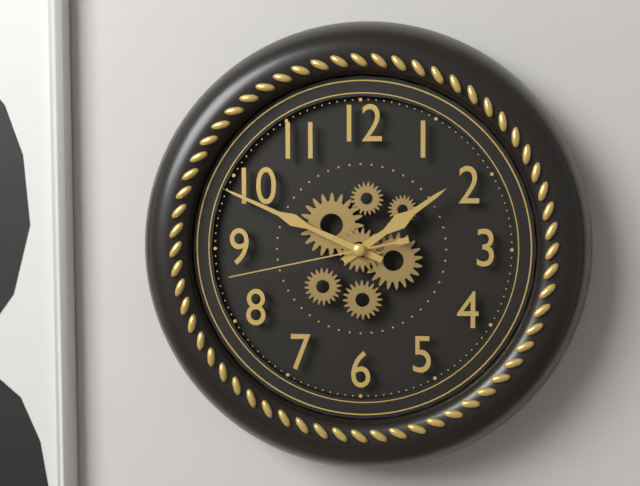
{"hour": 1, "minute": 49, "second": 43}
